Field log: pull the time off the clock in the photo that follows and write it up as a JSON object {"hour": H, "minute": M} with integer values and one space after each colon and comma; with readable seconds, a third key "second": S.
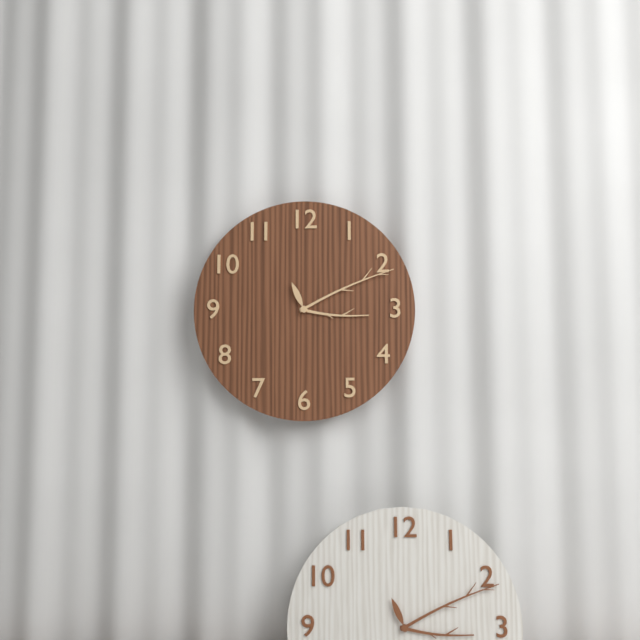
{"hour": 3, "minute": 11}
